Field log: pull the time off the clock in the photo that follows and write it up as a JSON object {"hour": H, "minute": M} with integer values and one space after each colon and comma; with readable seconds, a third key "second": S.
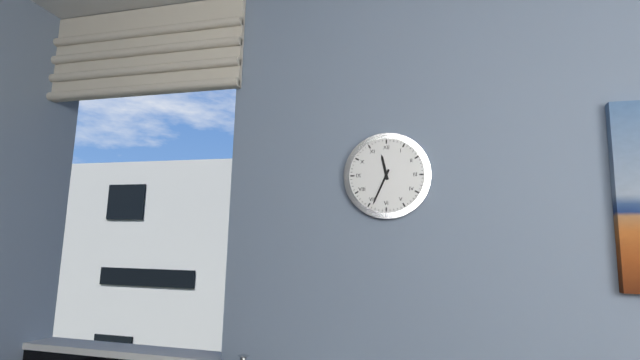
{"hour": 11, "minute": 34}
